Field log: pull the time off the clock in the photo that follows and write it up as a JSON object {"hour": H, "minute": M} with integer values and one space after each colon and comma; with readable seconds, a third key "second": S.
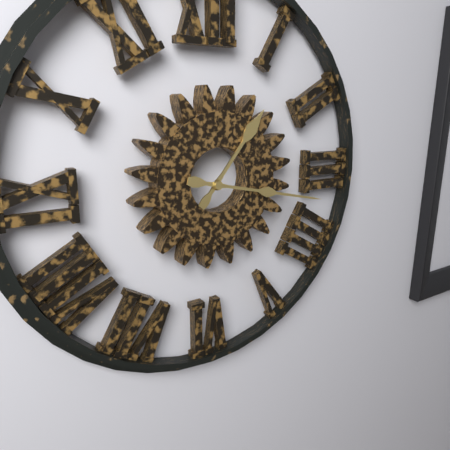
{"hour": 1, "minute": 17}
